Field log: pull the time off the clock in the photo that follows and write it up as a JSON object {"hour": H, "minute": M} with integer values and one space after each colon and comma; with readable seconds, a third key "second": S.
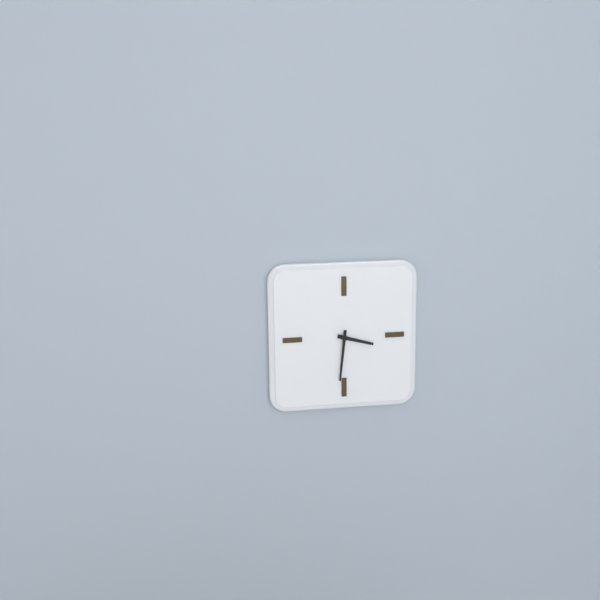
{"hour": 3, "minute": 31}
